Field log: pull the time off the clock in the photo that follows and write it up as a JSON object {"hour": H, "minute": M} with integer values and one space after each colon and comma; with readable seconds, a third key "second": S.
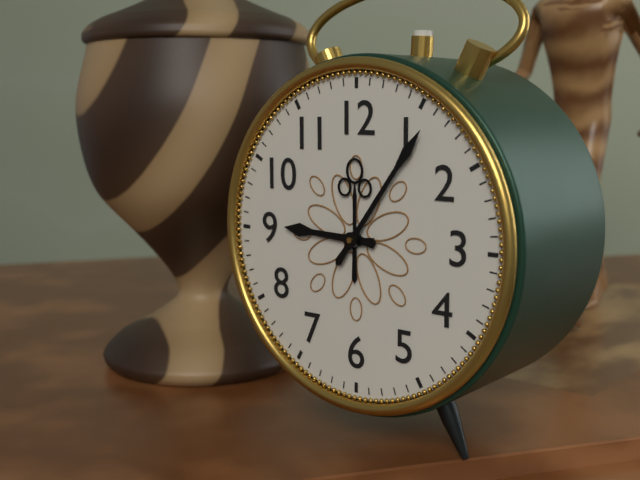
{"hour": 9, "minute": 6}
